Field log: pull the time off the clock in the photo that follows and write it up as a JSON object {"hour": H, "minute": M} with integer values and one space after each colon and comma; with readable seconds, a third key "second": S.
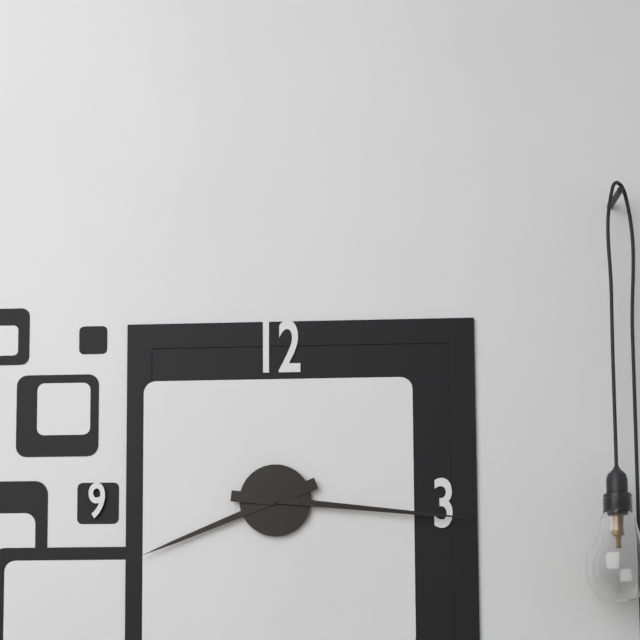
{"hour": 8, "minute": 16}
